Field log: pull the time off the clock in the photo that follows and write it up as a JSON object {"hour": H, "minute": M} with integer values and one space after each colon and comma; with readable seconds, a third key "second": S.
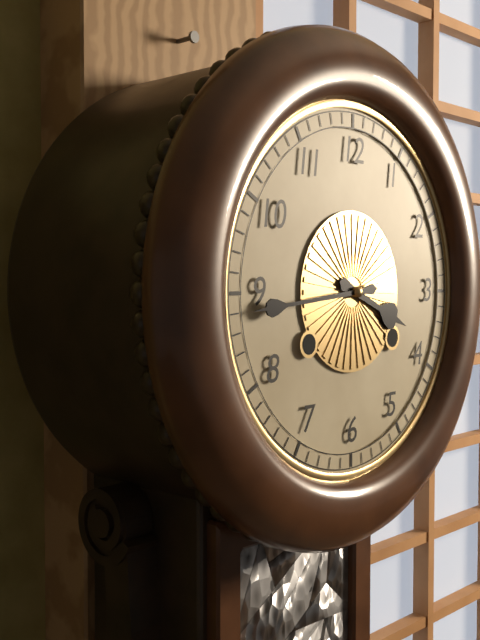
{"hour": 3, "minute": 44}
